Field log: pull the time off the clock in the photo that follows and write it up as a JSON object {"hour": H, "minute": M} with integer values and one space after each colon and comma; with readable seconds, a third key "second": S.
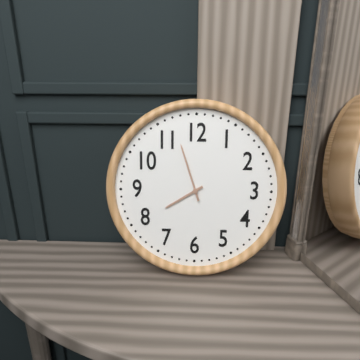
{"hour": 7, "minute": 57}
